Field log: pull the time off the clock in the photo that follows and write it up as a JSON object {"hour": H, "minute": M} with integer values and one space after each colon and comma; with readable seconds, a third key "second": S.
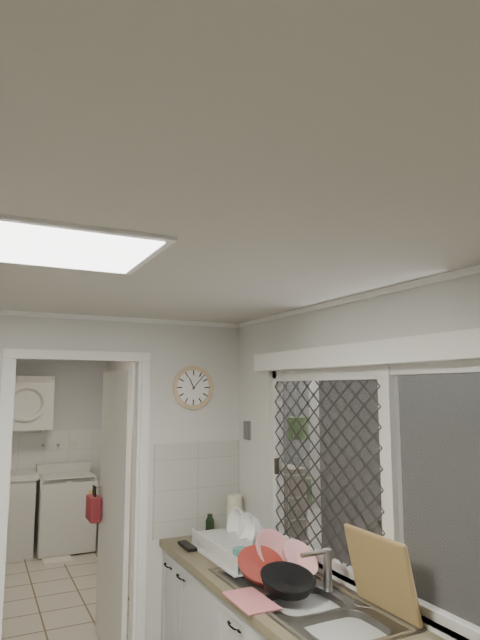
{"hour": 11, "minute": 7}
